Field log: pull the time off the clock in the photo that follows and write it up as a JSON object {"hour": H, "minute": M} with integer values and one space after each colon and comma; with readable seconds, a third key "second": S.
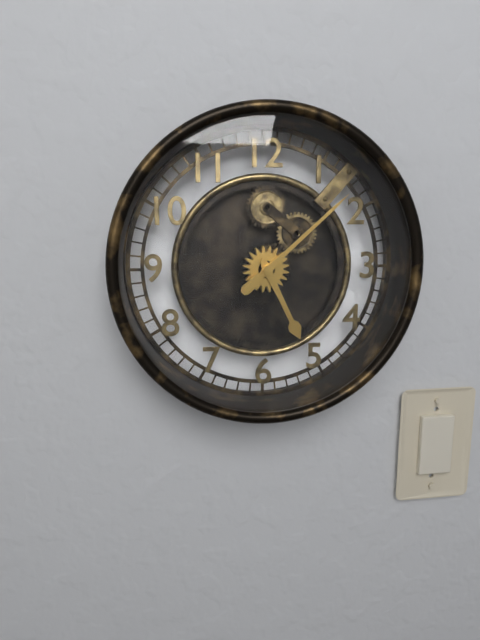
{"hour": 5, "minute": 8}
